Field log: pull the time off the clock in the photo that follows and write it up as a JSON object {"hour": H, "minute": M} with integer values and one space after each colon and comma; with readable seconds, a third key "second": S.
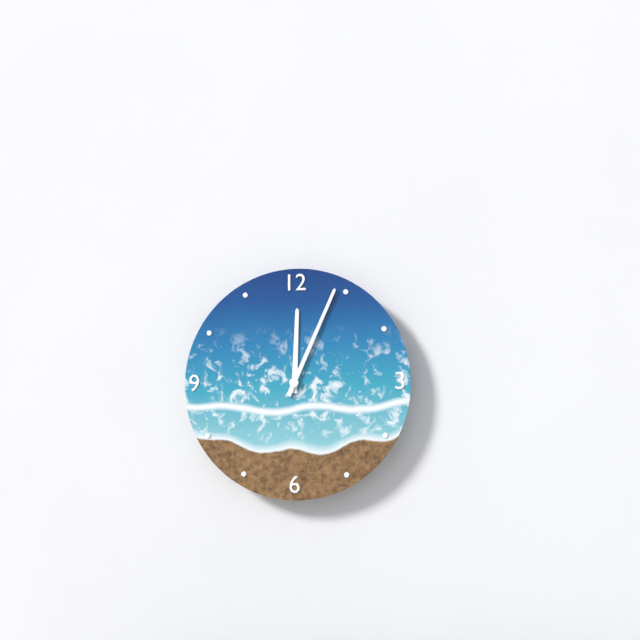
{"hour": 12, "minute": 4}
